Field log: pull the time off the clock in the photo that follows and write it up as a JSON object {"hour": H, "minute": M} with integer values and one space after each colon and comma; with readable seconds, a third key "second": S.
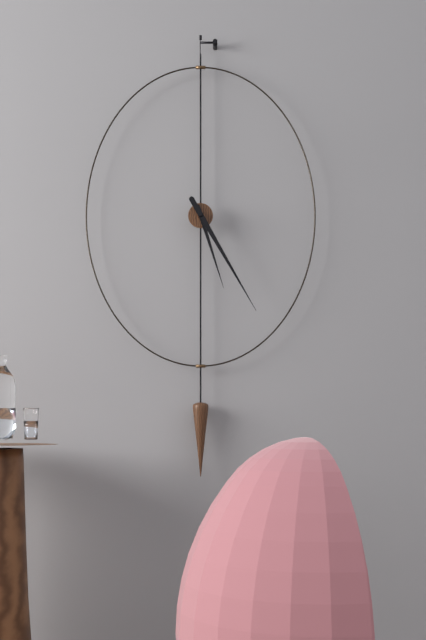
{"hour": 5, "minute": 25}
